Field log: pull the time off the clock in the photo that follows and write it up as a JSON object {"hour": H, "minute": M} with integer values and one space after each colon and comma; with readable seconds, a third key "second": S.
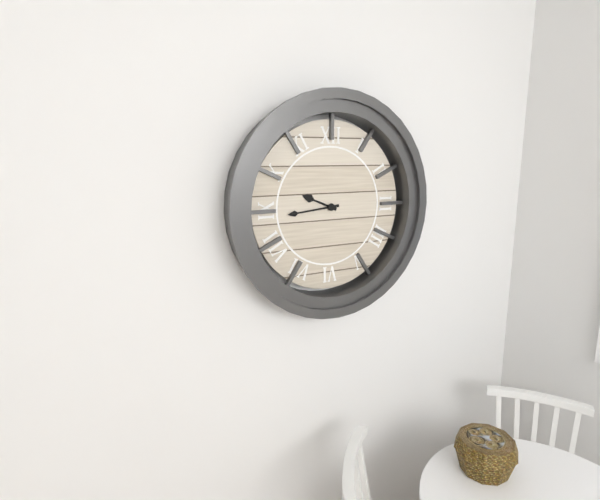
{"hour": 9, "minute": 44}
